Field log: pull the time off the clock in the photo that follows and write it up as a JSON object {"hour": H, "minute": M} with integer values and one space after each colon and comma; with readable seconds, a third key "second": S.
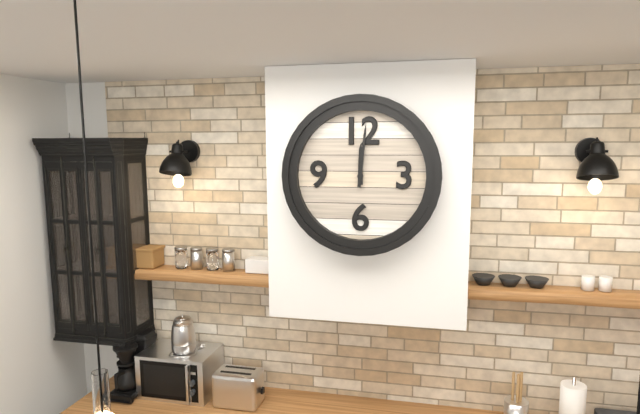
{"hour": 12, "minute": 1}
